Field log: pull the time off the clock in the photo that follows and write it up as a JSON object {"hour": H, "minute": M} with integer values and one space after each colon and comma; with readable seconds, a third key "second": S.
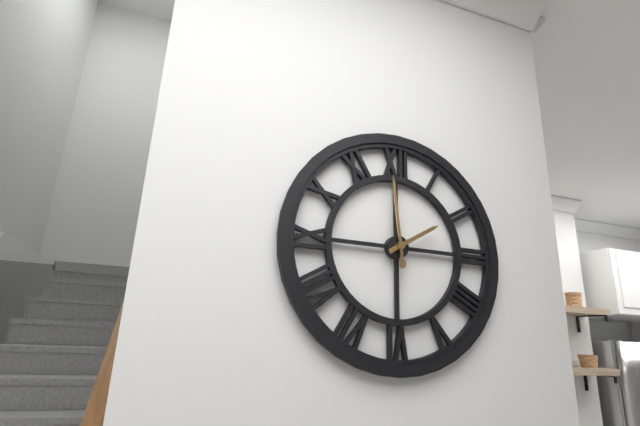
{"hour": 1, "minute": 59}
